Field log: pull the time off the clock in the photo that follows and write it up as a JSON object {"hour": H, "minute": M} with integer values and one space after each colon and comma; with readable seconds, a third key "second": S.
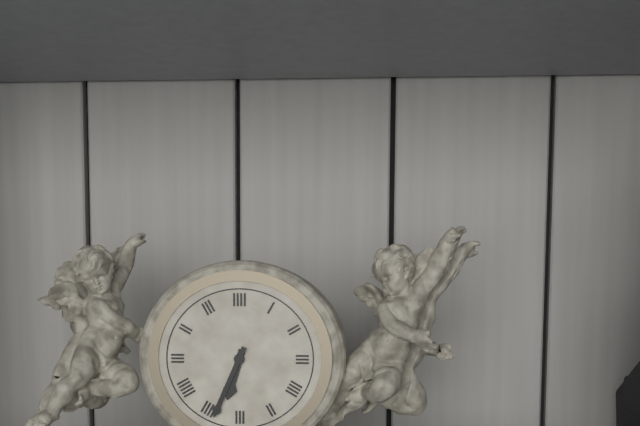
{"hour": 6, "minute": 34}
